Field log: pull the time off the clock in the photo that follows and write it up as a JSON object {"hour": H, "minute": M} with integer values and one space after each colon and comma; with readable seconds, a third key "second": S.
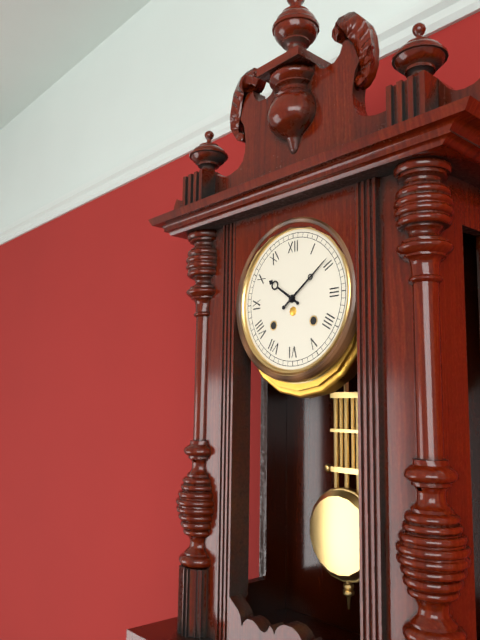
{"hour": 10, "minute": 9}
